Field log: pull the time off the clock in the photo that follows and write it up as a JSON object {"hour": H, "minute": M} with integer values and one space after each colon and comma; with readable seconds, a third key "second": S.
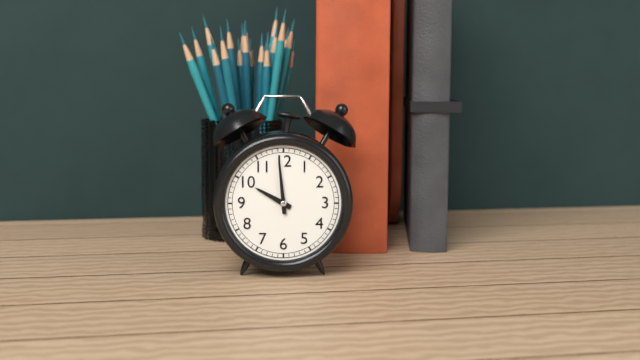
{"hour": 9, "minute": 59}
